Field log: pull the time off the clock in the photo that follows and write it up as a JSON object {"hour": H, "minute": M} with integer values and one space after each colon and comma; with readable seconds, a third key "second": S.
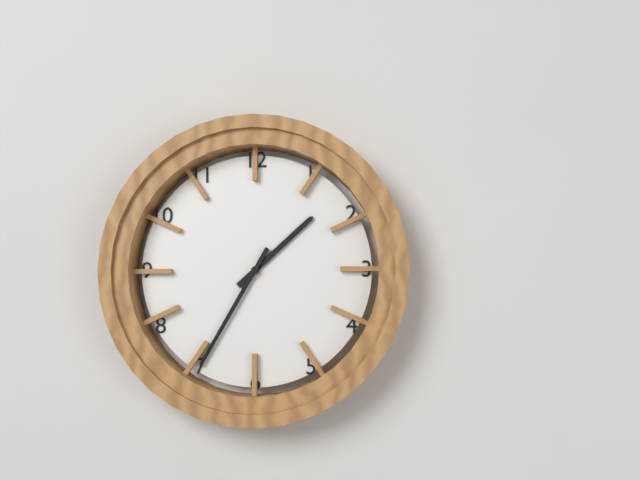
{"hour": 1, "minute": 35}
